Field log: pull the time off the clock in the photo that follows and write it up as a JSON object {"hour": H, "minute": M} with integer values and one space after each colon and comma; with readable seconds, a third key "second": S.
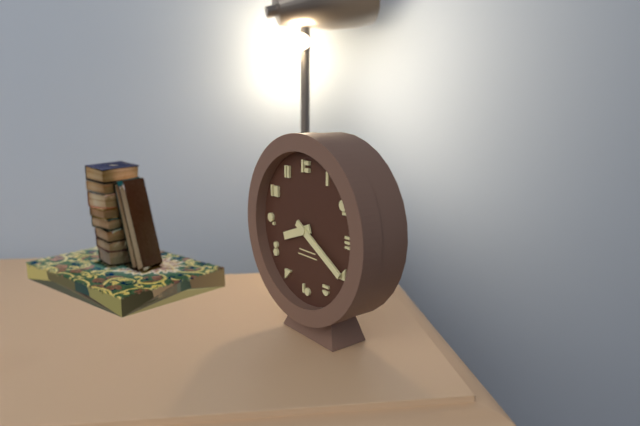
{"hour": 8, "minute": 20}
